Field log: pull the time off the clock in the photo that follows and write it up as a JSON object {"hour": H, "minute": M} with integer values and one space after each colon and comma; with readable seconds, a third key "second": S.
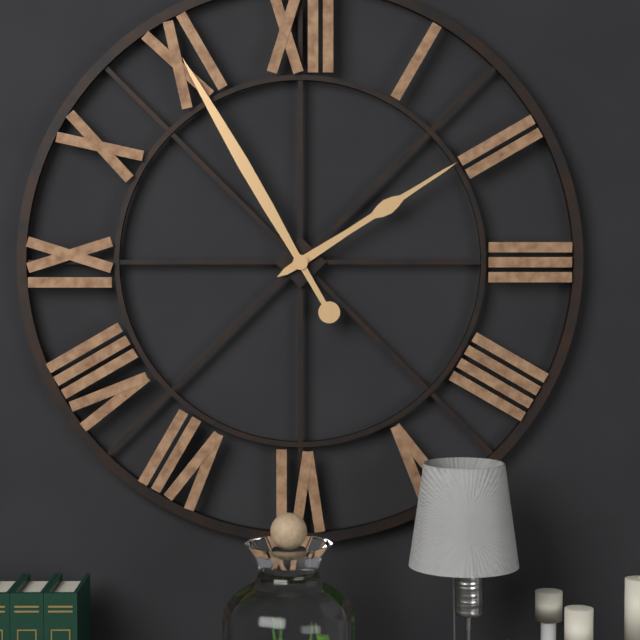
{"hour": 1, "minute": 55}
